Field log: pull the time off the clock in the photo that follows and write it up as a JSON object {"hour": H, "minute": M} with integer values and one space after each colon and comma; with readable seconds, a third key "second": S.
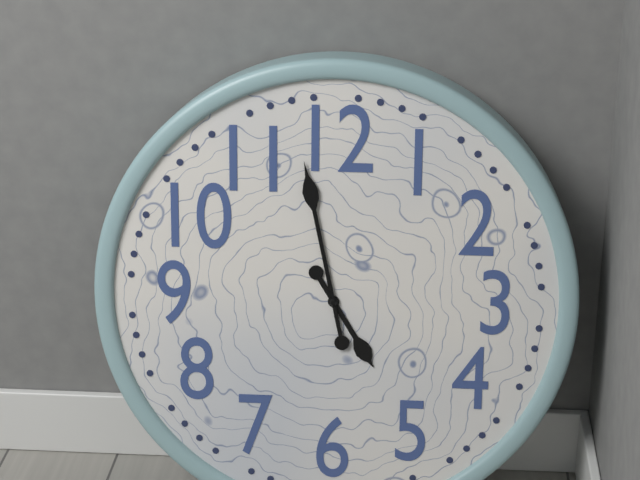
{"hour": 4, "minute": 58}
